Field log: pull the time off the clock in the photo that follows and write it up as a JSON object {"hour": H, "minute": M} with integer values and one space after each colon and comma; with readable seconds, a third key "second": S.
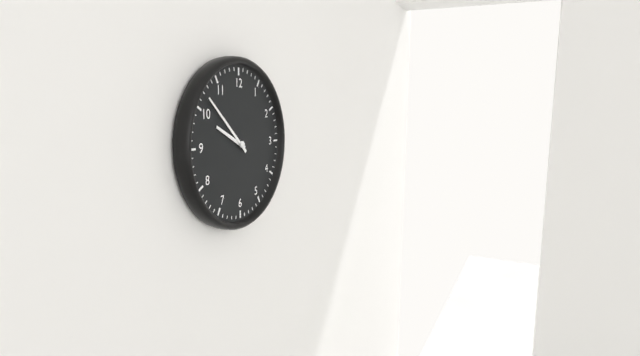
{"hour": 9, "minute": 52}
